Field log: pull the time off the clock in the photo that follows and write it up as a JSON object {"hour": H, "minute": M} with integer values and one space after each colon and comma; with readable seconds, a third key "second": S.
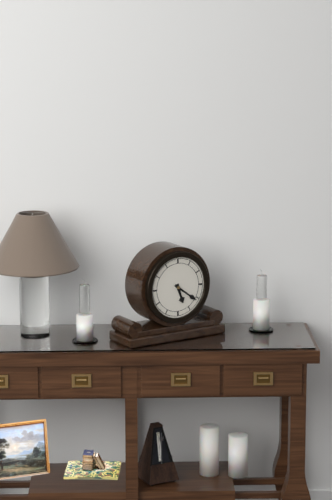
{"hour": 5, "minute": 21}
